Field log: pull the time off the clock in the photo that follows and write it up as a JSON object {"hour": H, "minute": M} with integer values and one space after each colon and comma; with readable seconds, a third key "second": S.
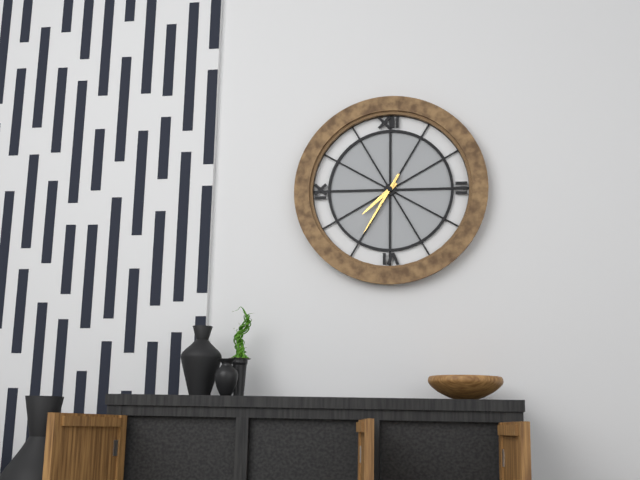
{"hour": 7, "minute": 35}
